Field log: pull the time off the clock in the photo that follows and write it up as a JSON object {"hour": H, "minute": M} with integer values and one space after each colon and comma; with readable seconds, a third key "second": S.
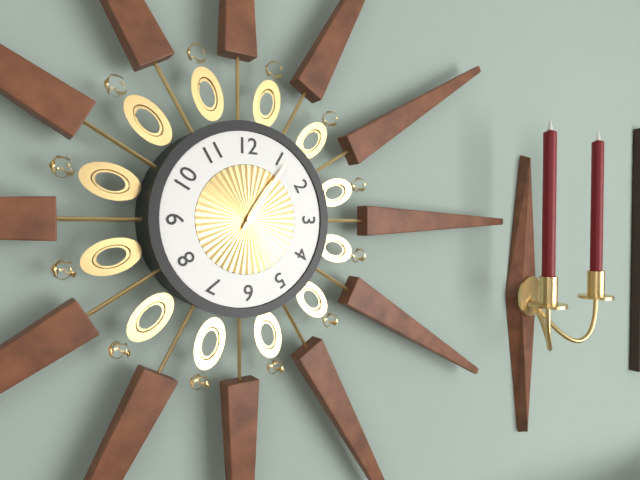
{"hour": 1, "minute": 6}
